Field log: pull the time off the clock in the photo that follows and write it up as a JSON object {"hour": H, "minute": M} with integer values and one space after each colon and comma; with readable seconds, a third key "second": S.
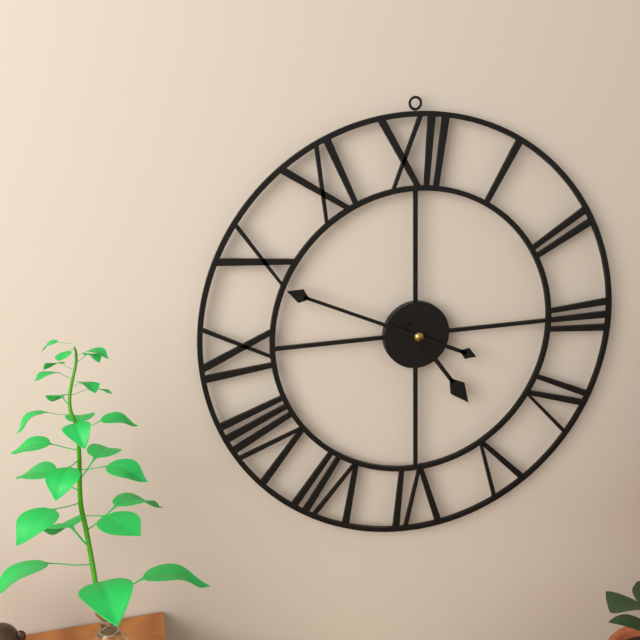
{"hour": 4, "minute": 49}
